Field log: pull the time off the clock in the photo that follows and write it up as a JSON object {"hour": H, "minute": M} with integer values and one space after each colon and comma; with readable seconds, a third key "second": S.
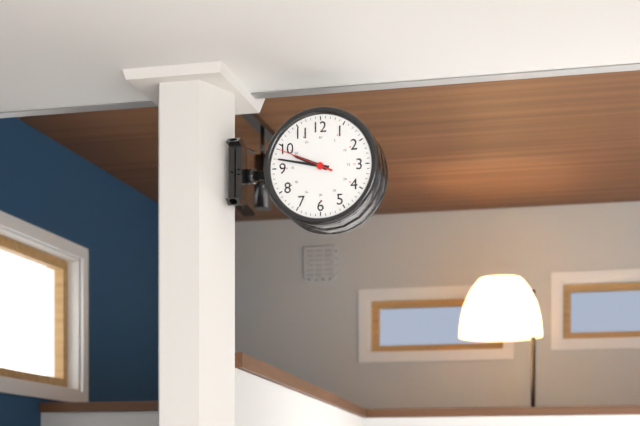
{"hour": 9, "minute": 47, "second": 49}
